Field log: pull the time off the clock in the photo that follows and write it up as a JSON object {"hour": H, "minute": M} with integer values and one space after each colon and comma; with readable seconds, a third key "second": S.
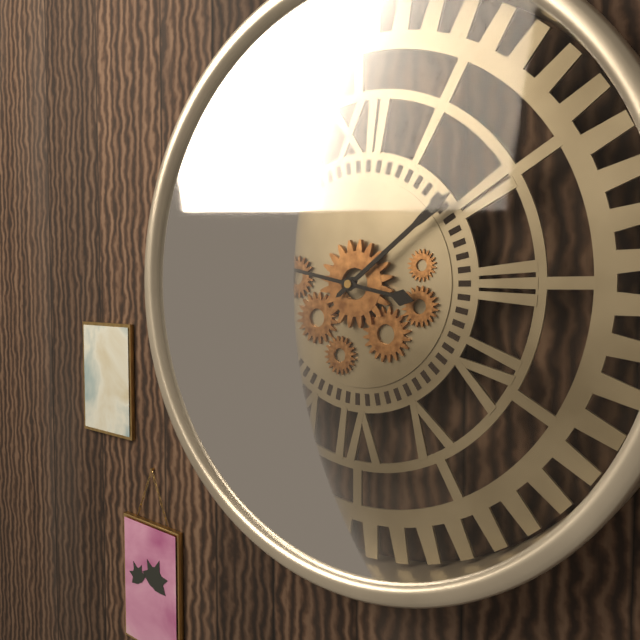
{"hour": 1, "minute": 47}
